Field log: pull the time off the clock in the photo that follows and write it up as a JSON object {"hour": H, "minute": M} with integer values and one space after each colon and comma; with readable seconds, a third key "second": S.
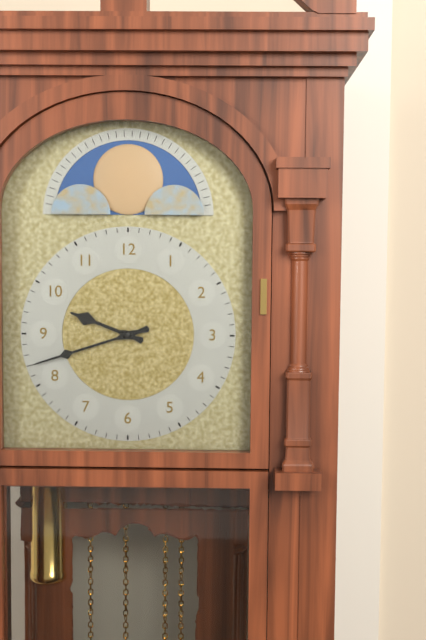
{"hour": 9, "minute": 42}
